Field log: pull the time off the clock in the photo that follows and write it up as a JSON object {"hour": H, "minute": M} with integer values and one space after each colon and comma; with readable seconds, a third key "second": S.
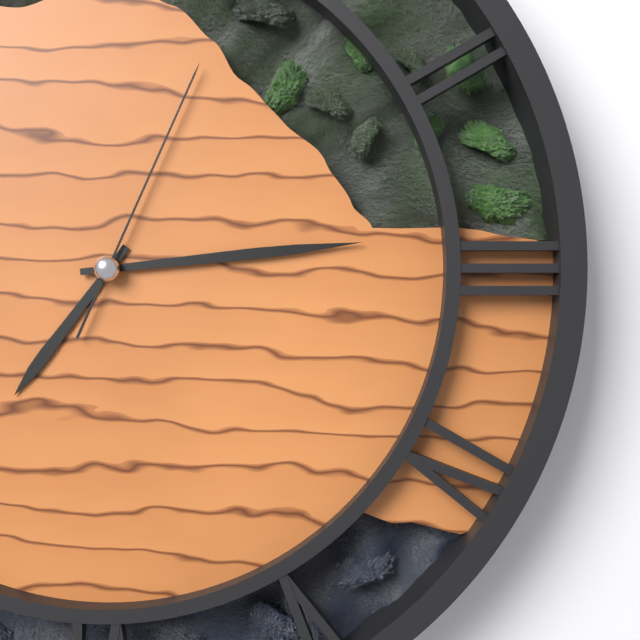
{"hour": 7, "minute": 14, "second": 4}
